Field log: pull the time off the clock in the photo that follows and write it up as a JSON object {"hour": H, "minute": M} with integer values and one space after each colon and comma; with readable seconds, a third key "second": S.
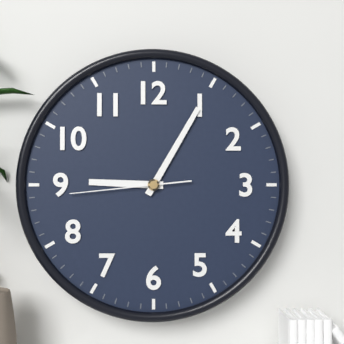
{"hour": 9, "minute": 5, "second": 44}
